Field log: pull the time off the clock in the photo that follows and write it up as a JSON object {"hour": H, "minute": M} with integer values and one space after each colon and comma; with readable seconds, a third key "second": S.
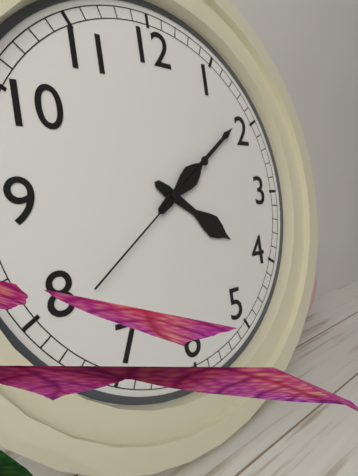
{"hour": 4, "minute": 9, "second": 39}
